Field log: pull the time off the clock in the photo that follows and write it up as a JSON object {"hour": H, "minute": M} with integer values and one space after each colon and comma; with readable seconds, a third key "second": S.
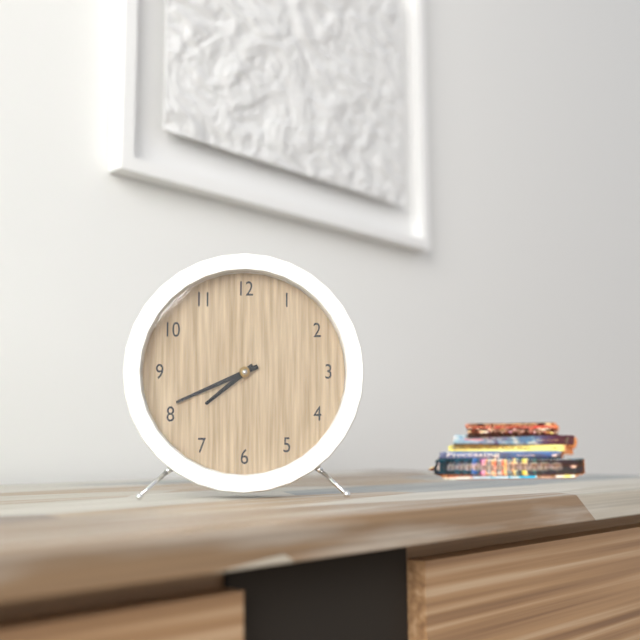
{"hour": 7, "minute": 41}
